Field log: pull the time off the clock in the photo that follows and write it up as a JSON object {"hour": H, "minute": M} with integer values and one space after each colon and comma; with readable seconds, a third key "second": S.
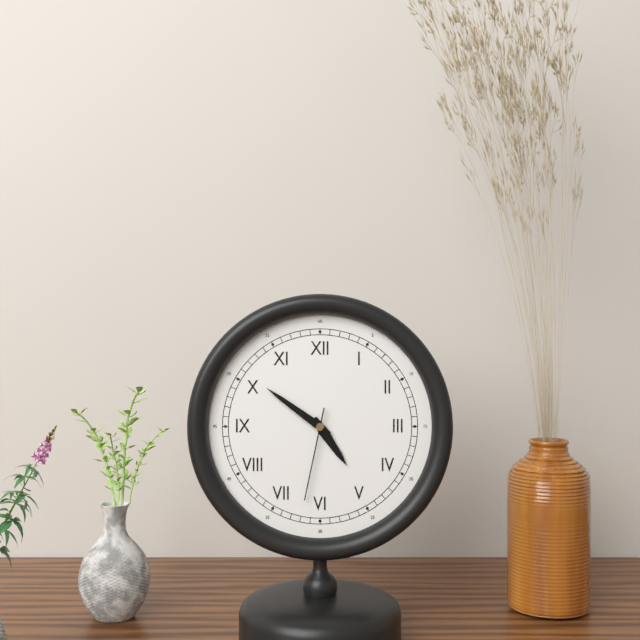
{"hour": 4, "minute": 51, "second": 32}
